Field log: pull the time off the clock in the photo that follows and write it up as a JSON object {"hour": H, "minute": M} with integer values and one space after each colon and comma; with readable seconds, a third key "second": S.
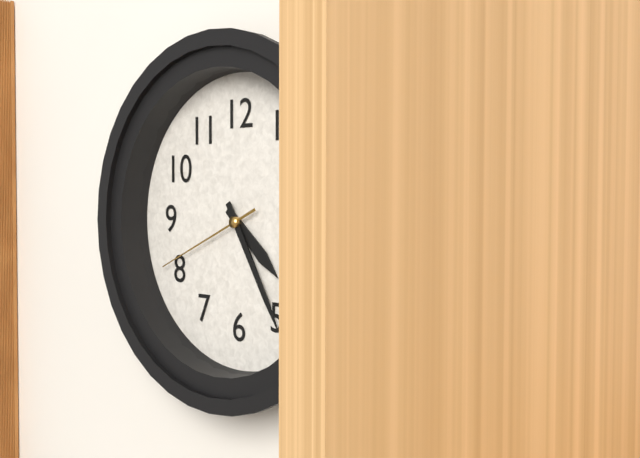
{"hour": 4, "minute": 25, "second": 41}
